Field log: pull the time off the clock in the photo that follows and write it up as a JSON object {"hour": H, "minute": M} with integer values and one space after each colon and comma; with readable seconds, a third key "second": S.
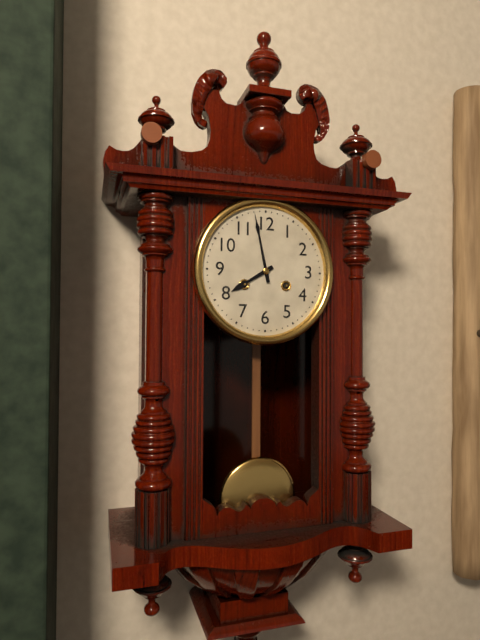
{"hour": 7, "minute": 58}
